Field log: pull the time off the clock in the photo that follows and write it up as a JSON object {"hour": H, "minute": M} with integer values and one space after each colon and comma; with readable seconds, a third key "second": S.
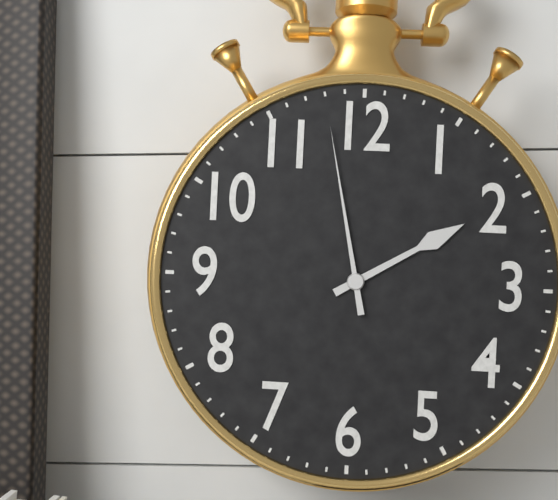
{"hour": 1, "minute": 58}
